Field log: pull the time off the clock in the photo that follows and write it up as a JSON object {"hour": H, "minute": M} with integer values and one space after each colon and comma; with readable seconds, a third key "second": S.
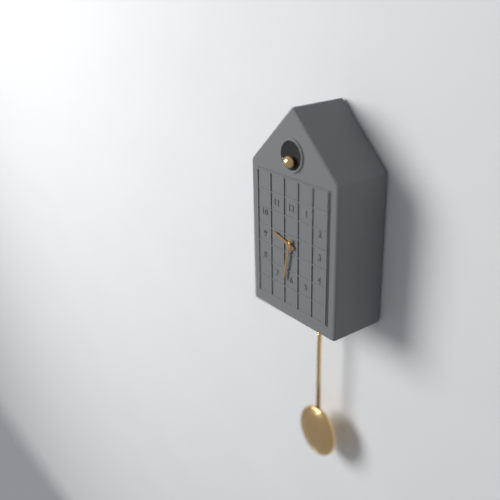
{"hour": 9, "minute": 32}
